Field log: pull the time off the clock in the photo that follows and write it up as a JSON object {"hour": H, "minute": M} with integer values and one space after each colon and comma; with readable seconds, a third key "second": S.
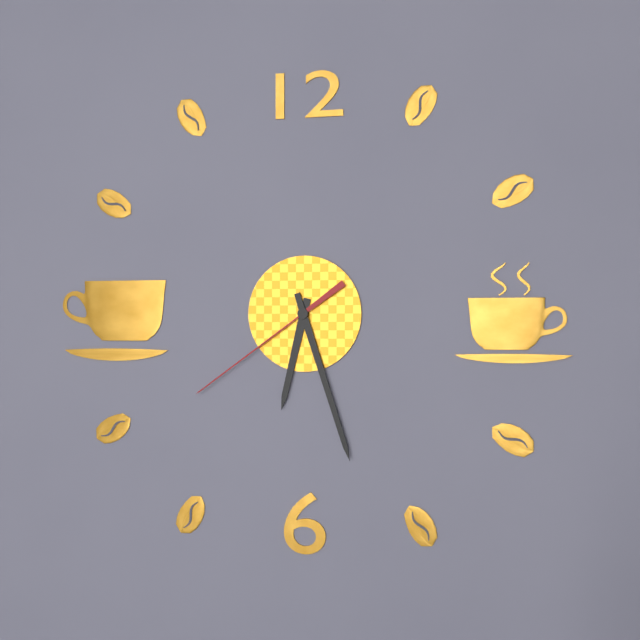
{"hour": 6, "minute": 27, "second": 39}
